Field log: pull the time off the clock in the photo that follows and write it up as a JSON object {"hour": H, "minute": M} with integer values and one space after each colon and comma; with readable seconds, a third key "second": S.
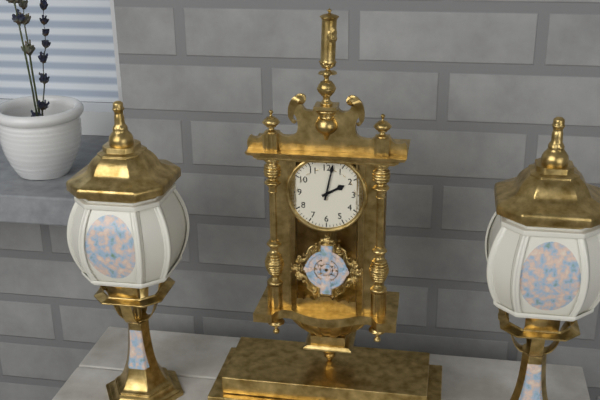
{"hour": 2, "minute": 2}
